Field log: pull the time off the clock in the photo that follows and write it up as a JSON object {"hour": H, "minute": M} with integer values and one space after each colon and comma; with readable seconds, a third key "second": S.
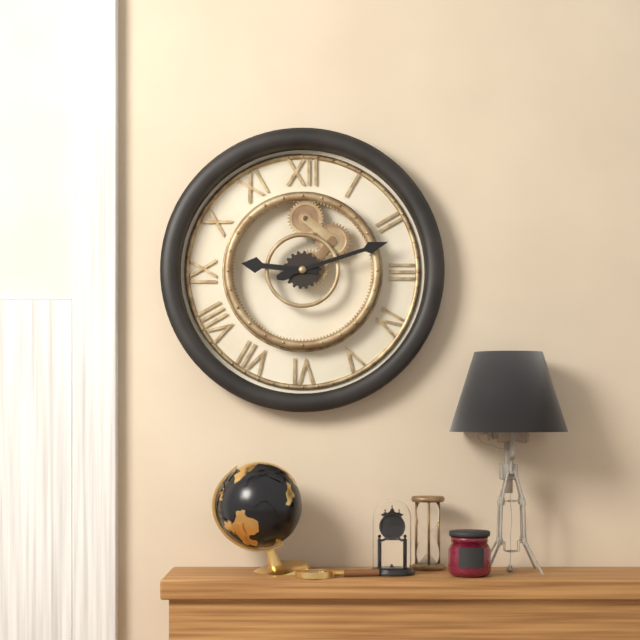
{"hour": 9, "minute": 12}
